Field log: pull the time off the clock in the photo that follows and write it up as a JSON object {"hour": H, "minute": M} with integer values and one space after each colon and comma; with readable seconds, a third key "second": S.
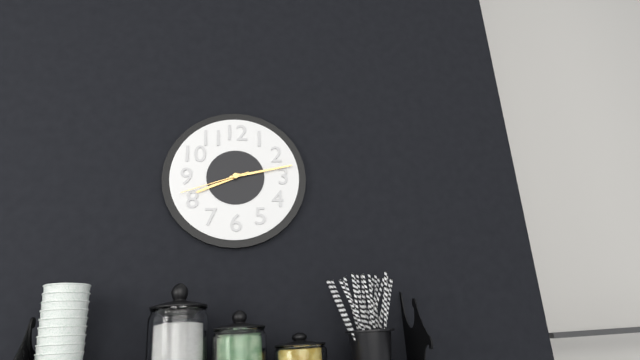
{"hour": 8, "minute": 13, "second": 42}
